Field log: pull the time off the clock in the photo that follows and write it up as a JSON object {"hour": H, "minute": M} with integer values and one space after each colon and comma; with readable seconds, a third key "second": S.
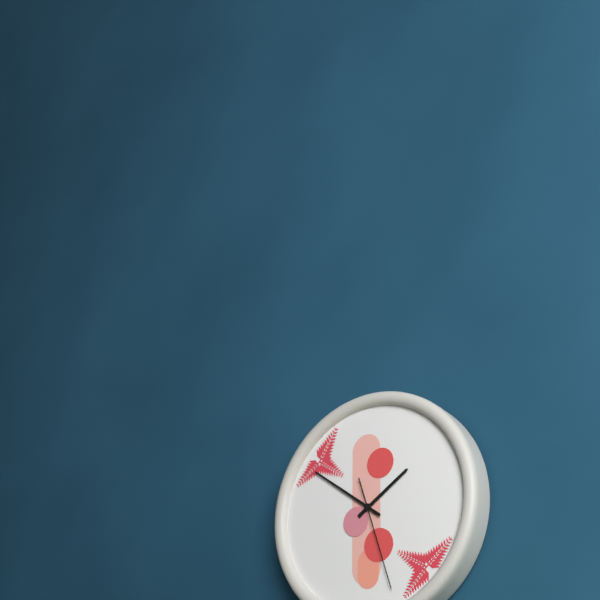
{"hour": 1, "minute": 51, "second": 27}
